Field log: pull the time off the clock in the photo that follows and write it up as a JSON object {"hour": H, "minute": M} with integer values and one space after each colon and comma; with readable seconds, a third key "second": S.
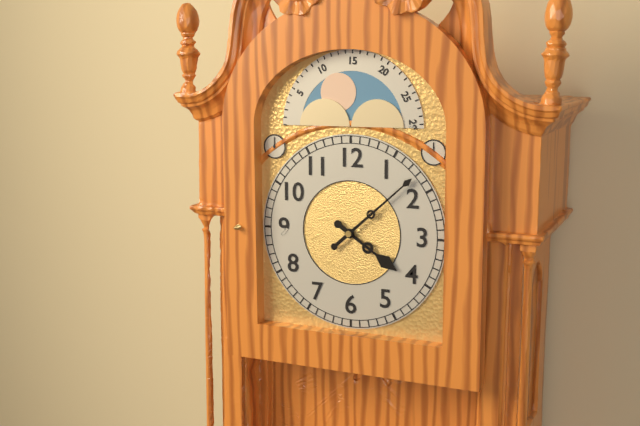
{"hour": 4, "minute": 8}
